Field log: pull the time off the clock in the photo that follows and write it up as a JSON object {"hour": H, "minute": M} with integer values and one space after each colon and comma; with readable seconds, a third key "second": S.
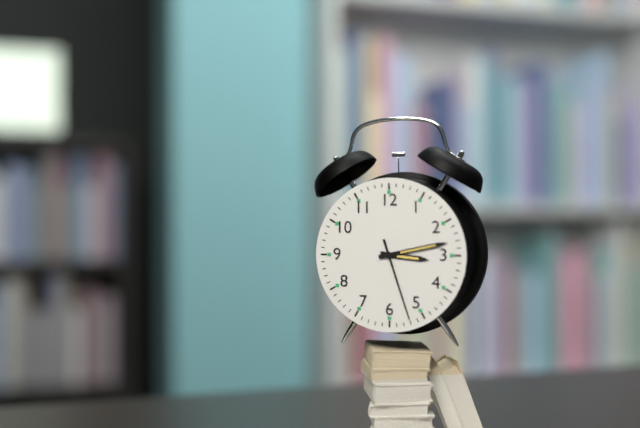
{"hour": 3, "minute": 13, "second": 27}
